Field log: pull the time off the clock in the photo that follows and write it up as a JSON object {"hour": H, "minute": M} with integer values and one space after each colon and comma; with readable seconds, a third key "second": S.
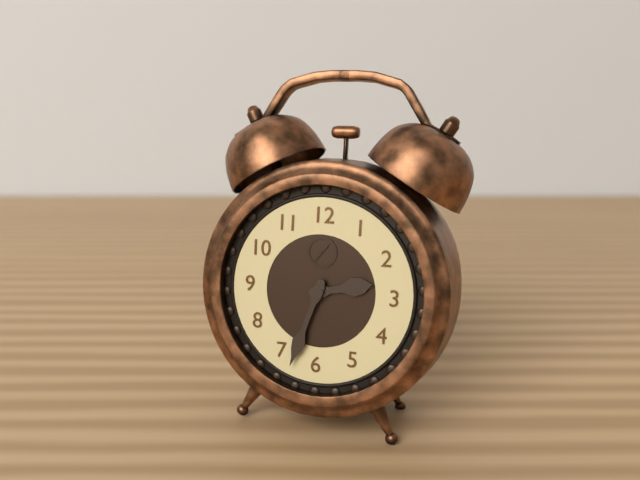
{"hour": 2, "minute": 33}
